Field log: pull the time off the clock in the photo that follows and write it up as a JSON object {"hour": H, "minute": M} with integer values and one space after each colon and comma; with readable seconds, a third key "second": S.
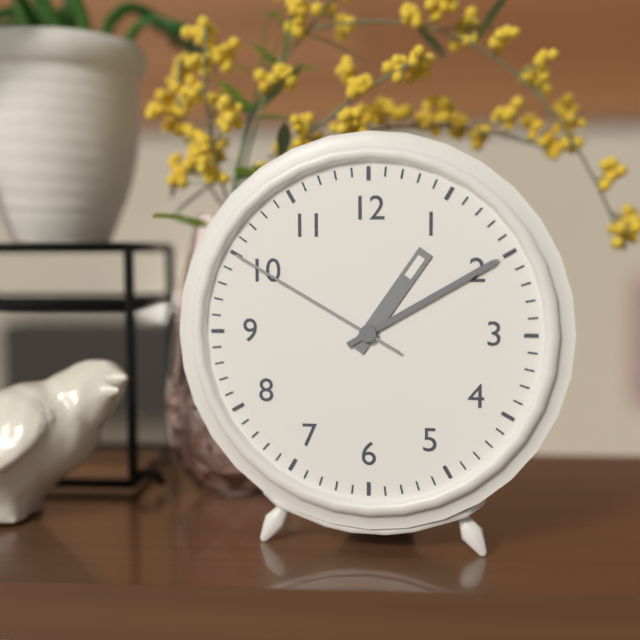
{"hour": 1, "minute": 10, "second": 50}
